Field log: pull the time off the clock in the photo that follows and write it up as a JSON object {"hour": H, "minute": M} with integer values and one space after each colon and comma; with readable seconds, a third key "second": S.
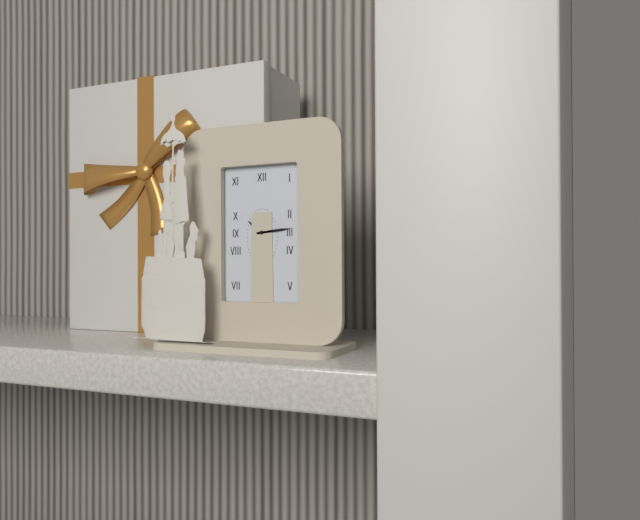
{"hour": 10, "minute": 14}
